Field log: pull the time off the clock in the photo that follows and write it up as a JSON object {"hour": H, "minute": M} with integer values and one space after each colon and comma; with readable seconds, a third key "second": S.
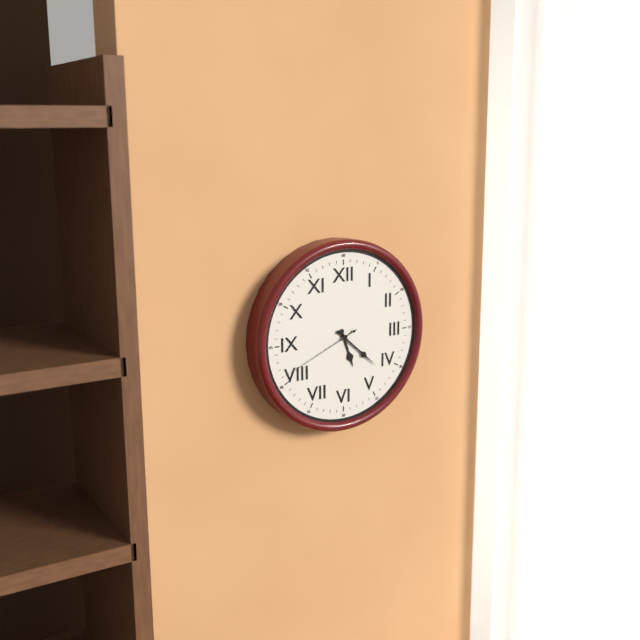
{"hour": 5, "minute": 22, "second": 41}
